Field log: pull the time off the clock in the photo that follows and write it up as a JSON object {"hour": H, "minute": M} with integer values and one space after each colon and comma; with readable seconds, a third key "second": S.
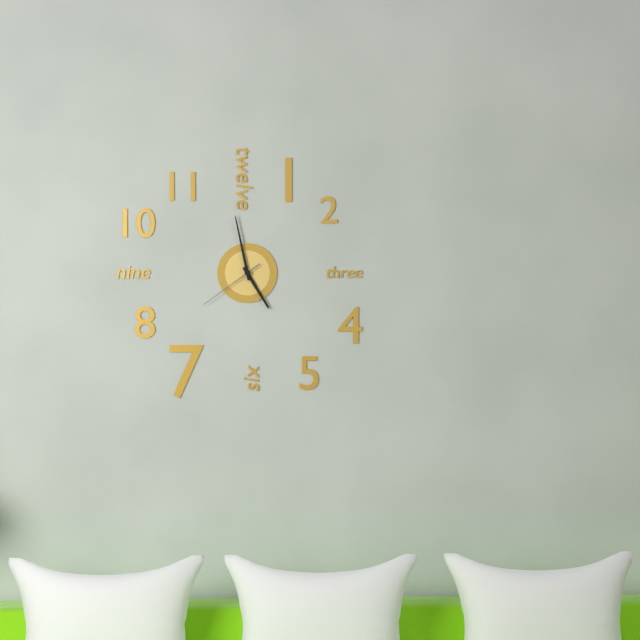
{"hour": 4, "minute": 58, "second": 39}
